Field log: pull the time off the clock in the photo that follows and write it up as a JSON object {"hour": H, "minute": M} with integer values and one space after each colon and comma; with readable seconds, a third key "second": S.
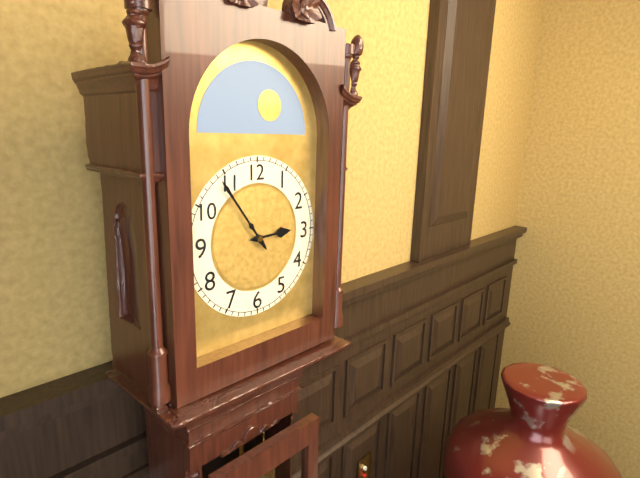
{"hour": 2, "minute": 54}
